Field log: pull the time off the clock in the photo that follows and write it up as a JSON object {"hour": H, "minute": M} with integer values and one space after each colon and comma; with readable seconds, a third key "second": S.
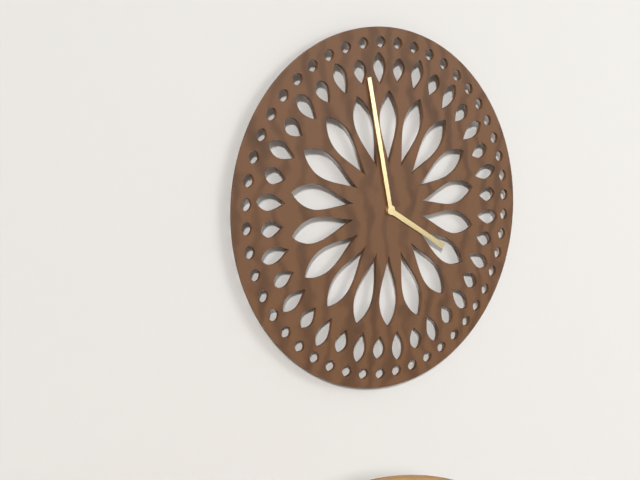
{"hour": 3, "minute": 58}
